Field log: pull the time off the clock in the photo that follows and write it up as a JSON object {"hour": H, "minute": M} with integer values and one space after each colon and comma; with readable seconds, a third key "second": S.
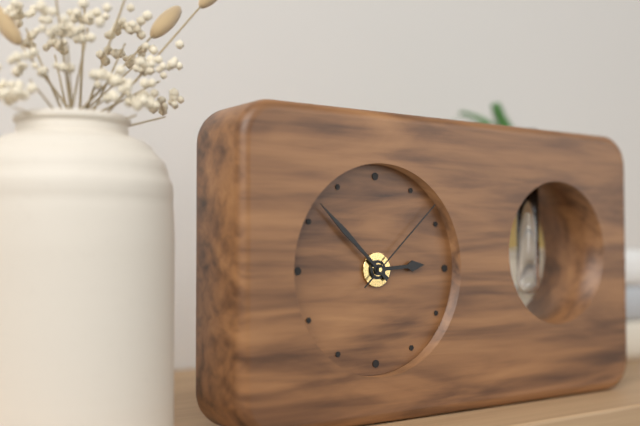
{"hour": 2, "minute": 52, "second": 8}
